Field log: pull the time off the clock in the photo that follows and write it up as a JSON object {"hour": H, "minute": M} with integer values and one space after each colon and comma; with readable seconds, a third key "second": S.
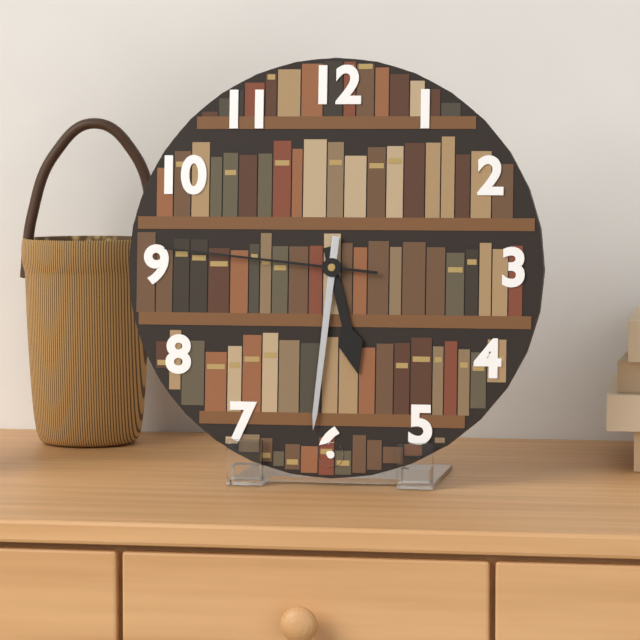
{"hour": 5, "minute": 31, "second": 46}
